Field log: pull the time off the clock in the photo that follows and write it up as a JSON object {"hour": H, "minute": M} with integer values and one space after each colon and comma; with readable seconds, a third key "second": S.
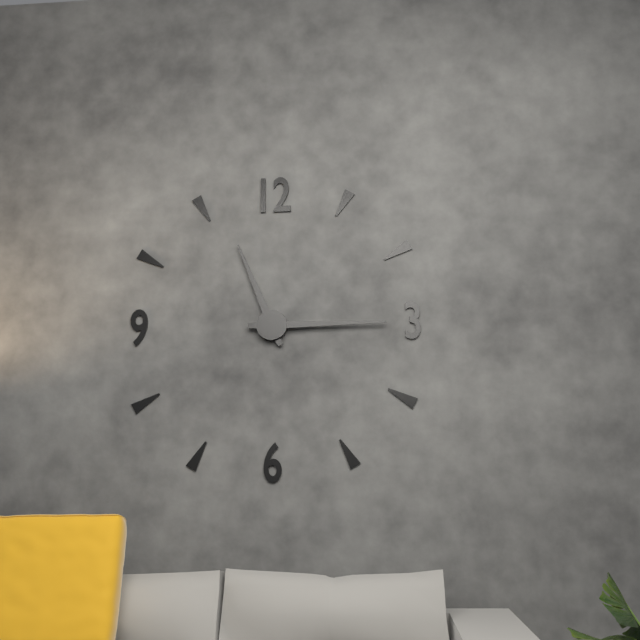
{"hour": 11, "minute": 15}
